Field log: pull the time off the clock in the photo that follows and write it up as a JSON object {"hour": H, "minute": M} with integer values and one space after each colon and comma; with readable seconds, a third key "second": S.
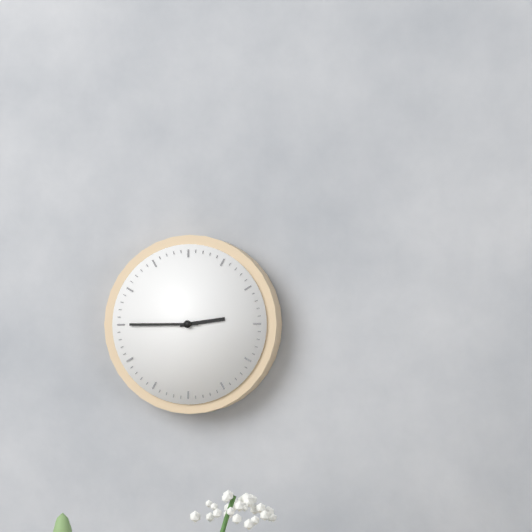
{"hour": 2, "minute": 45}
